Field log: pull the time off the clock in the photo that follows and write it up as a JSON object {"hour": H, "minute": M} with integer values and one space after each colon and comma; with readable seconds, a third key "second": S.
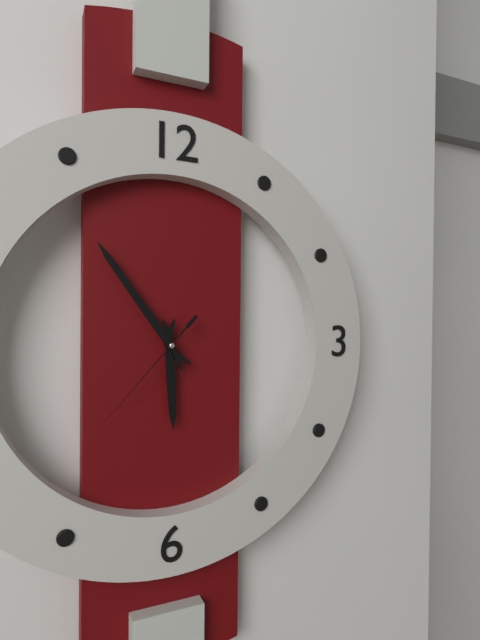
{"hour": 5, "minute": 54, "second": 37}
